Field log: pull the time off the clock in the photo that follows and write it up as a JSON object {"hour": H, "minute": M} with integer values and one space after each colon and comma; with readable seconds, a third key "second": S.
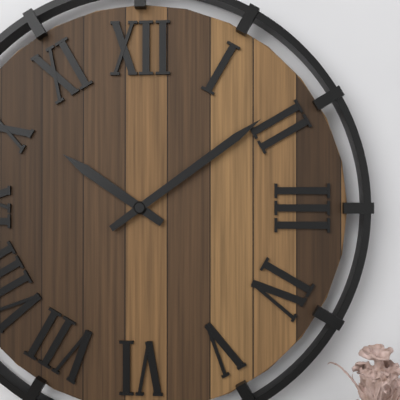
{"hour": 10, "minute": 9}
